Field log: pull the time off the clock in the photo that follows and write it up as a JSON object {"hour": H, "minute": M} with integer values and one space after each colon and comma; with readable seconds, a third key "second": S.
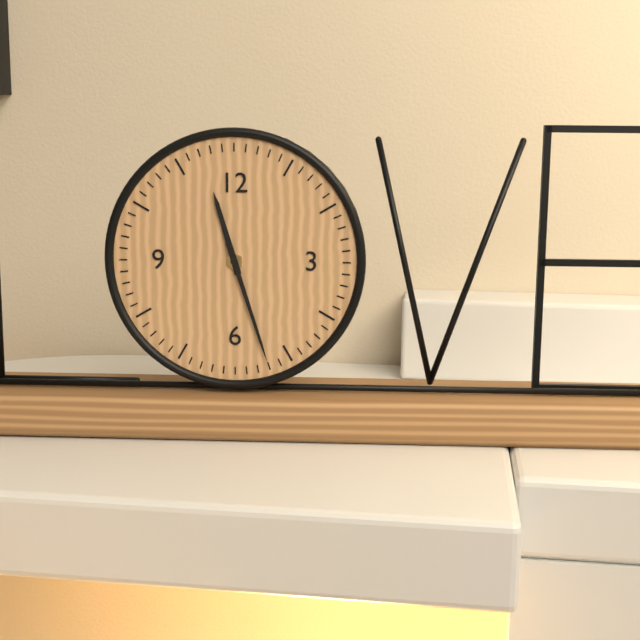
{"hour": 11, "minute": 27}
